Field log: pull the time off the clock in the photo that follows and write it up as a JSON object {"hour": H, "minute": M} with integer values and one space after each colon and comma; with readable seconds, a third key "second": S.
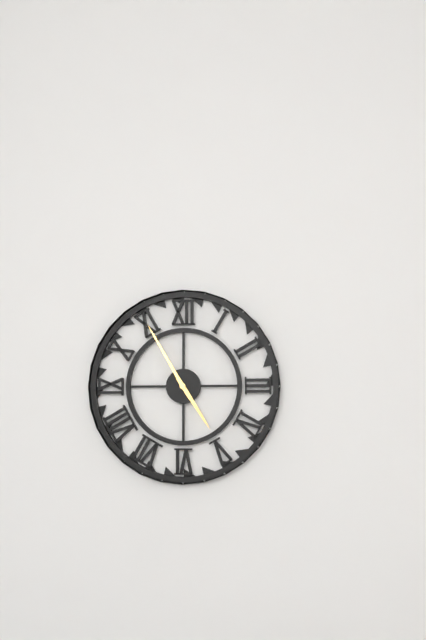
{"hour": 4, "minute": 55}
